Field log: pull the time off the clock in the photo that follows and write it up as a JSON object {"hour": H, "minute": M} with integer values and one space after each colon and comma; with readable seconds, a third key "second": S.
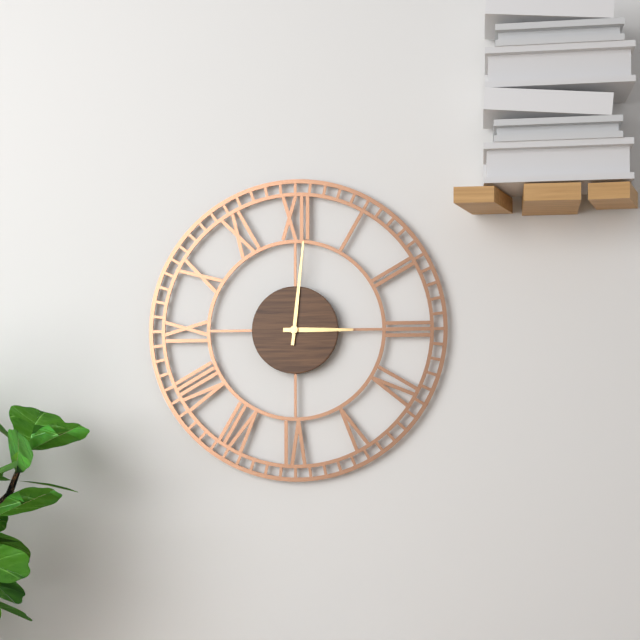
{"hour": 3, "minute": 1}
